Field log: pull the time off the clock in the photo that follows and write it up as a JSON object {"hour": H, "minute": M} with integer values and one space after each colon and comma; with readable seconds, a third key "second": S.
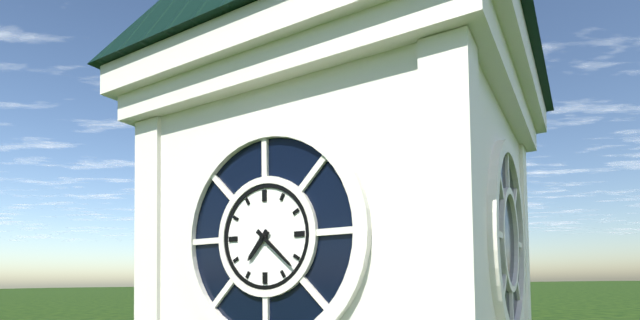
{"hour": 7, "minute": 22}
